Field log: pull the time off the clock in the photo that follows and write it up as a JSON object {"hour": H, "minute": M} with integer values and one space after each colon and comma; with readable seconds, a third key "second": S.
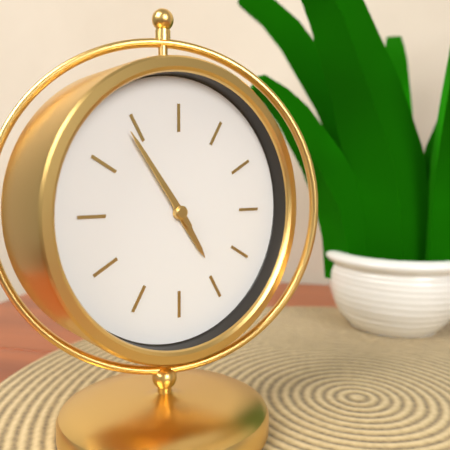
{"hour": 4, "minute": 54}
